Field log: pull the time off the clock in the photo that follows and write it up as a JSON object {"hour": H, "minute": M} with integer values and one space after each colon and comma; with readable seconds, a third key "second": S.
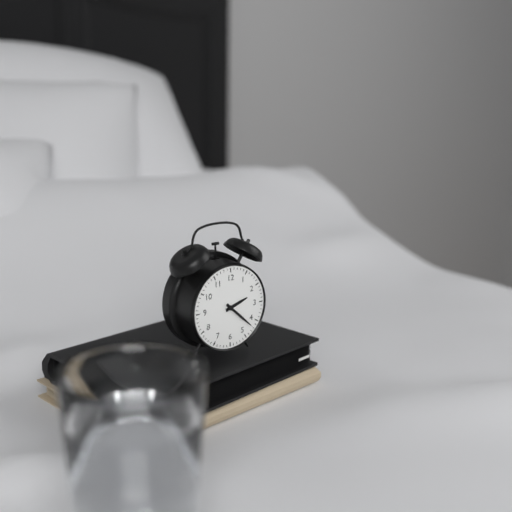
{"hour": 2, "minute": 22}
